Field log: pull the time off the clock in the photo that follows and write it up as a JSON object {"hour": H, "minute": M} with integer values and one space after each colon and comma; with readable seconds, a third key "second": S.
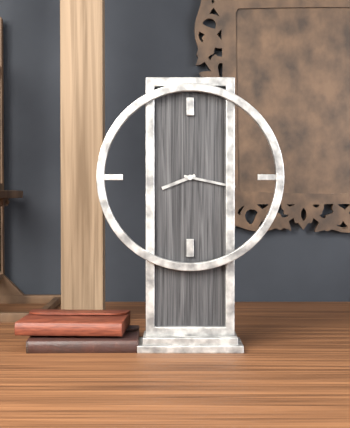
{"hour": 8, "minute": 17}
